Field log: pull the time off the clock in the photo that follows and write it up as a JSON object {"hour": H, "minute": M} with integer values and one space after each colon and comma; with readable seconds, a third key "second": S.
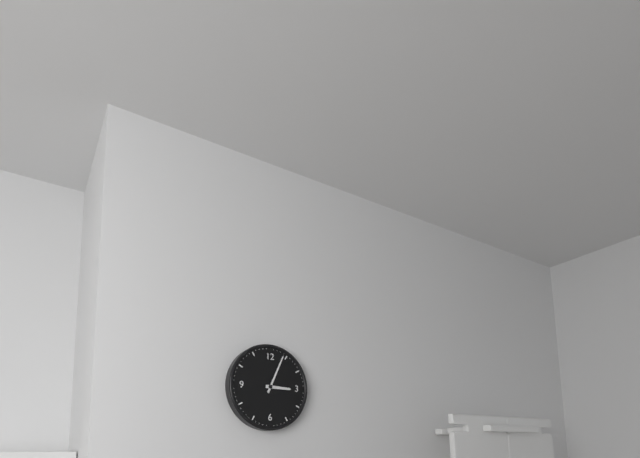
{"hour": 3, "minute": 4}
